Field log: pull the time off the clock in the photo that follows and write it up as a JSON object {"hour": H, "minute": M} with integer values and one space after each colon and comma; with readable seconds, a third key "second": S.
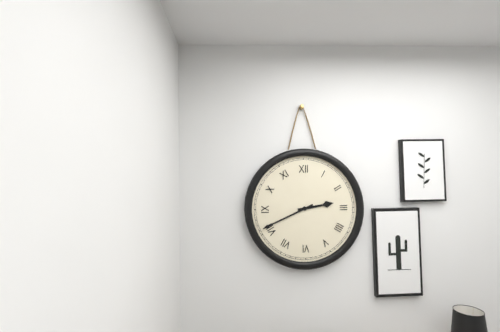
{"hour": 2, "minute": 41}
